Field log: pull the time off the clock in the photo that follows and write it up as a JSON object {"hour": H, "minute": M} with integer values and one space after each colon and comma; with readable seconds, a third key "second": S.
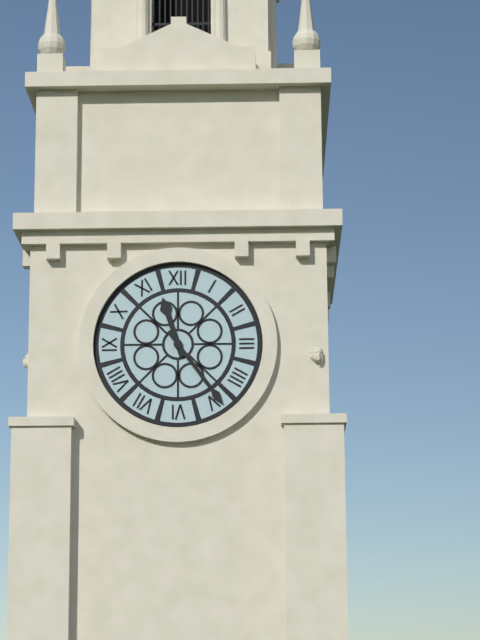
{"hour": 11, "minute": 24}
